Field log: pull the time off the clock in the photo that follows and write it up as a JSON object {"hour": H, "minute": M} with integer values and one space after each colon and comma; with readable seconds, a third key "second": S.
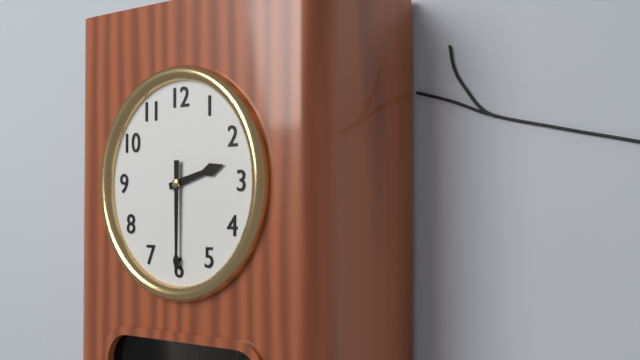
{"hour": 2, "minute": 30}
